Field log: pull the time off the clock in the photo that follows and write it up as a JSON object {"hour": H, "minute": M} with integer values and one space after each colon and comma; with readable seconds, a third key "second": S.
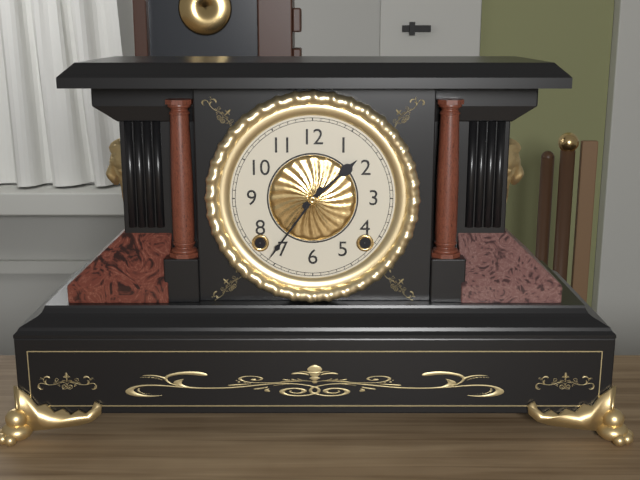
{"hour": 1, "minute": 36}
